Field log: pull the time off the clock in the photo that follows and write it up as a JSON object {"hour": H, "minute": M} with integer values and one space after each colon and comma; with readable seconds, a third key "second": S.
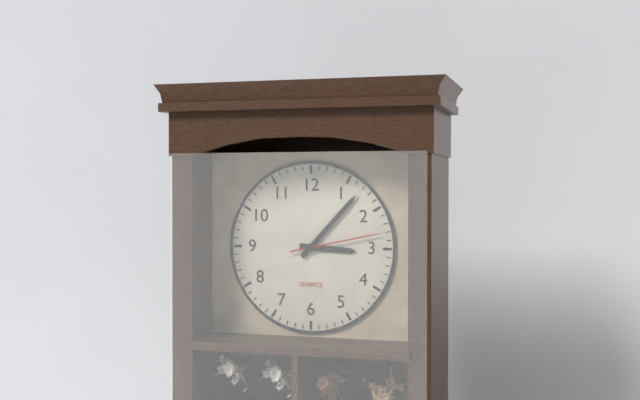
{"hour": 3, "minute": 7, "second": 13}
